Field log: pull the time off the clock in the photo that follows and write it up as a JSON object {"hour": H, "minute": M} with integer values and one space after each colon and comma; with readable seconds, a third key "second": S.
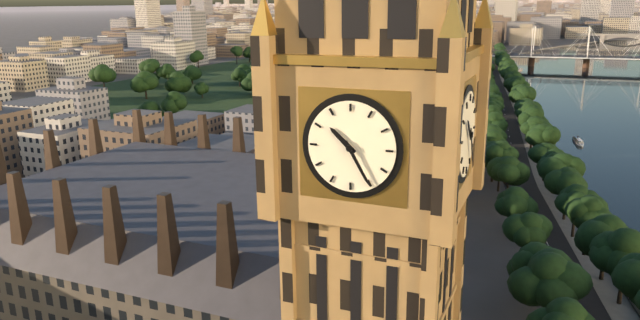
{"hour": 10, "minute": 25}
